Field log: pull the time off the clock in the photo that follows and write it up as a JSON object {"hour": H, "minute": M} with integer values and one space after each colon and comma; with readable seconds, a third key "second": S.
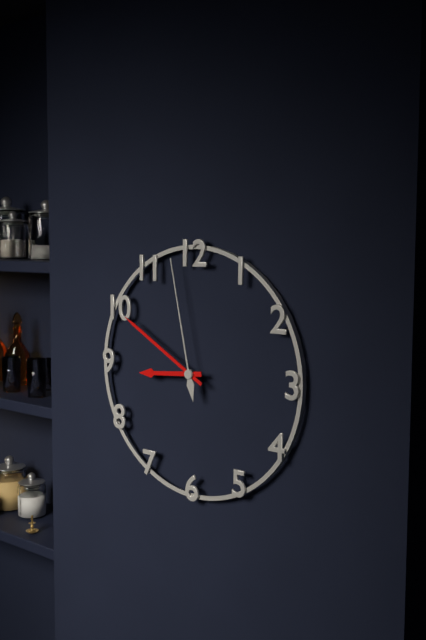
{"hour": 8, "minute": 50, "second": 58}
